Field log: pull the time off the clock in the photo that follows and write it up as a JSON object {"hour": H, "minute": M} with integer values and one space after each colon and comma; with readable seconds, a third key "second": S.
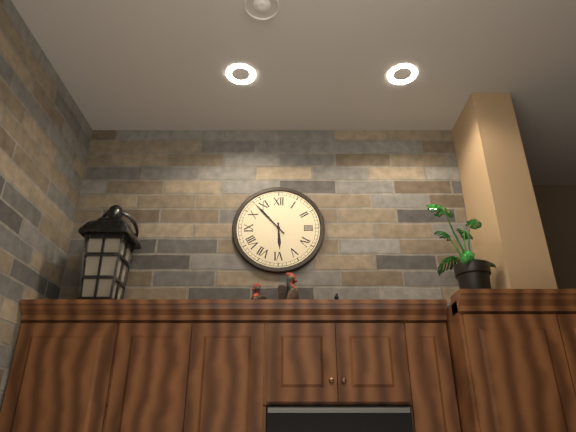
{"hour": 5, "minute": 53}
